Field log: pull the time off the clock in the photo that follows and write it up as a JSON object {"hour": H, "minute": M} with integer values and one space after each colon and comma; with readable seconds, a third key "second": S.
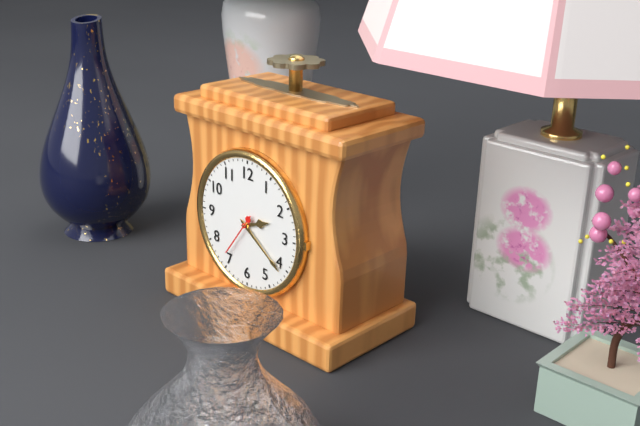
{"hour": 2, "minute": 21}
